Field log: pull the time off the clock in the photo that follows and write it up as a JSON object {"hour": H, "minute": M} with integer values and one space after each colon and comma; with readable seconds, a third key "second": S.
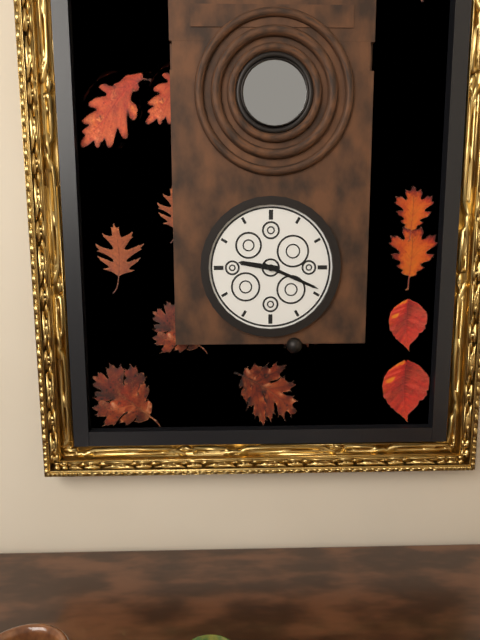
{"hour": 9, "minute": 19}
